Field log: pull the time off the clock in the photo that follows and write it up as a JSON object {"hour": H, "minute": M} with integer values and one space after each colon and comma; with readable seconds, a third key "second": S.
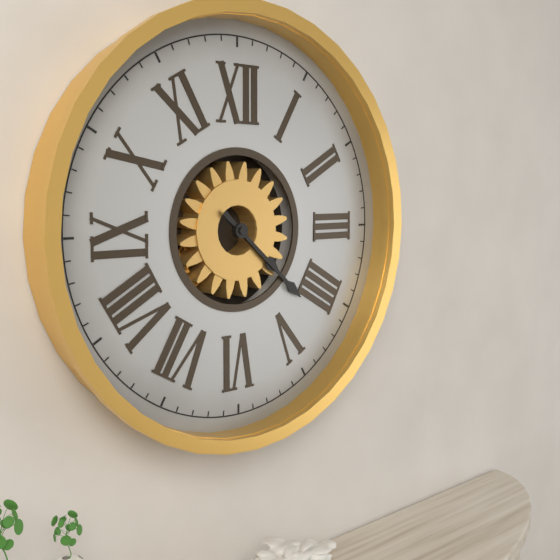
{"hour": 4, "minute": 22}
